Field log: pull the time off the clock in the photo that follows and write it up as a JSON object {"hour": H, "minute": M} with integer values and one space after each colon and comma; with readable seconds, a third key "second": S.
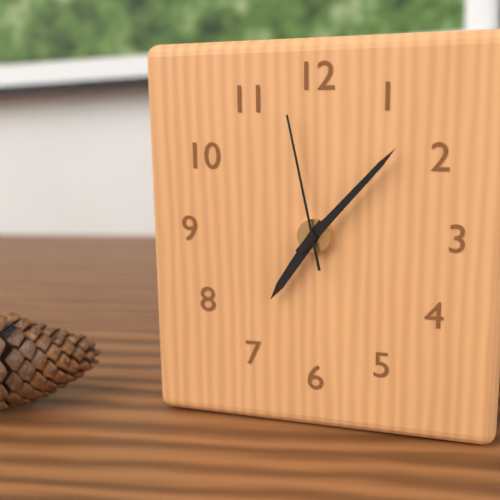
{"hour": 7, "minute": 7, "second": 58}
